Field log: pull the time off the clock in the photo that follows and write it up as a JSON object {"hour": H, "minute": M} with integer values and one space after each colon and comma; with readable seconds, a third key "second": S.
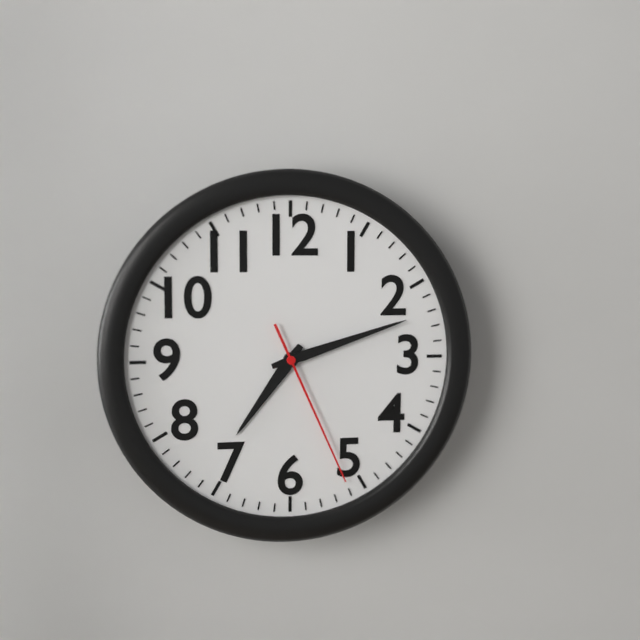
{"hour": 7, "minute": 12, "second": 26}
